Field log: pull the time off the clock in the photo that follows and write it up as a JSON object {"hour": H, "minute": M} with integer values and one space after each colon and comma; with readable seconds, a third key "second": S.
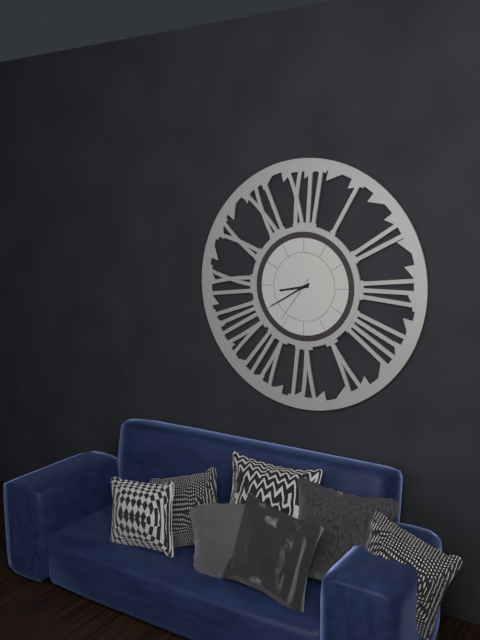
{"hour": 8, "minute": 40, "second": 36}
